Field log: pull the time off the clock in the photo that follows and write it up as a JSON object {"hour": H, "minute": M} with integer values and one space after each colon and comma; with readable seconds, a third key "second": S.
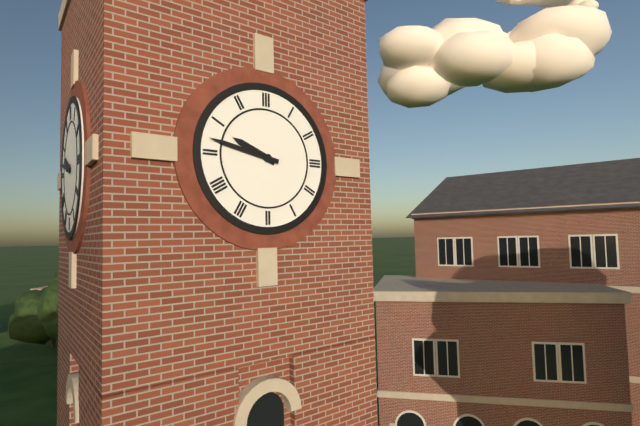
{"hour": 9, "minute": 47}
